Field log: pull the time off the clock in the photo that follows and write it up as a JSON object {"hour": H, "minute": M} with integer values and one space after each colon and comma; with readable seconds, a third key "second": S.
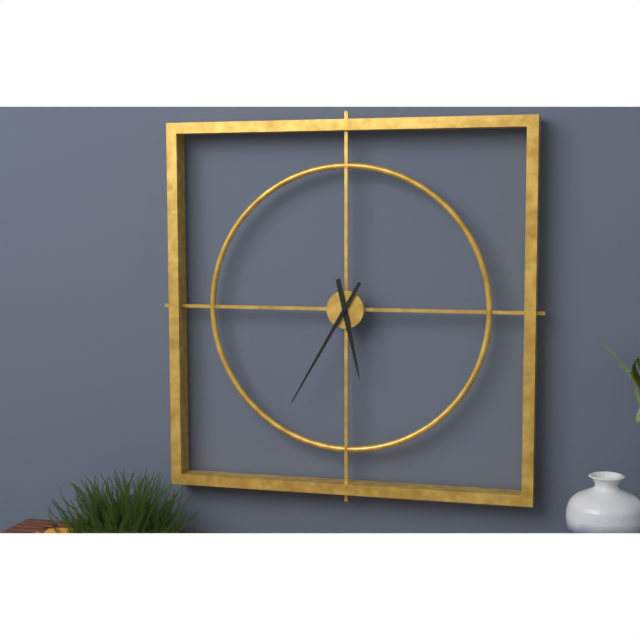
{"hour": 5, "minute": 35}
